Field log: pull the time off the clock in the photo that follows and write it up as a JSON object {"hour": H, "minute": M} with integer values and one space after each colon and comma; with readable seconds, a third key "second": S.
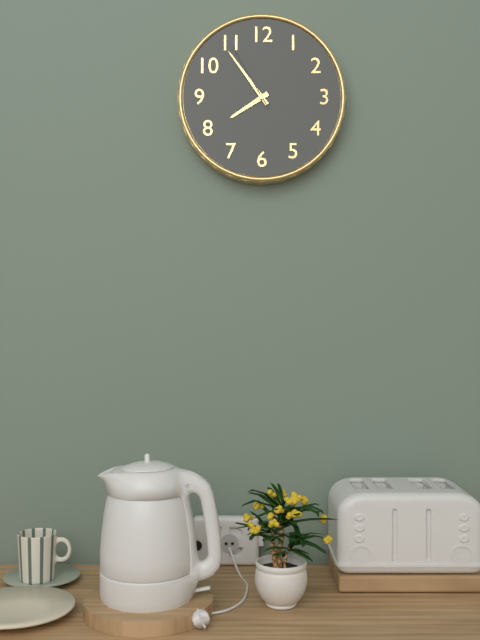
{"hour": 7, "minute": 54, "second": 55}
